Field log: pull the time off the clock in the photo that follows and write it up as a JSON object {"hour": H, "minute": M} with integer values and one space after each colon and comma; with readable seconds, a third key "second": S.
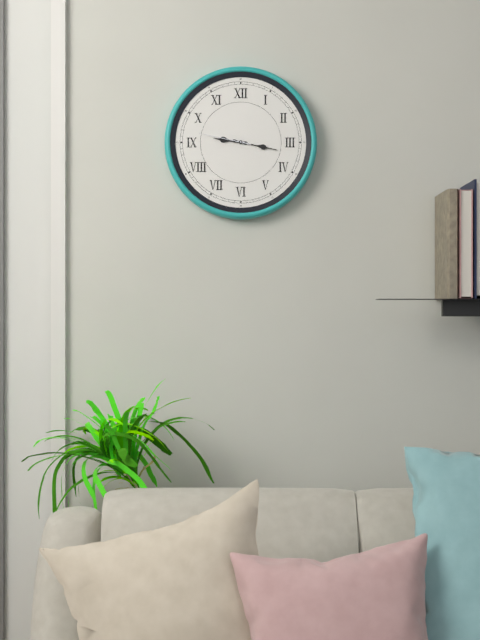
{"hour": 9, "minute": 17, "second": 47}
